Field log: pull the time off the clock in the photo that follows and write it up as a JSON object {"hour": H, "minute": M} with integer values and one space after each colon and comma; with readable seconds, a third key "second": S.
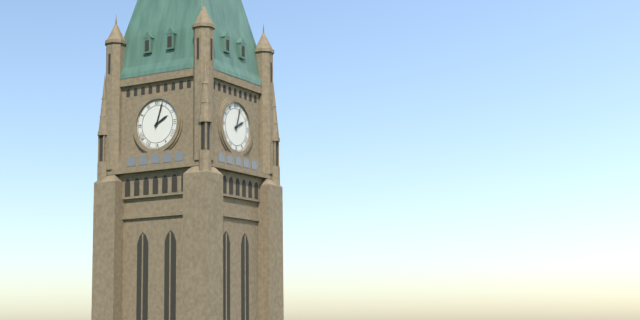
{"hour": 2, "minute": 3}
